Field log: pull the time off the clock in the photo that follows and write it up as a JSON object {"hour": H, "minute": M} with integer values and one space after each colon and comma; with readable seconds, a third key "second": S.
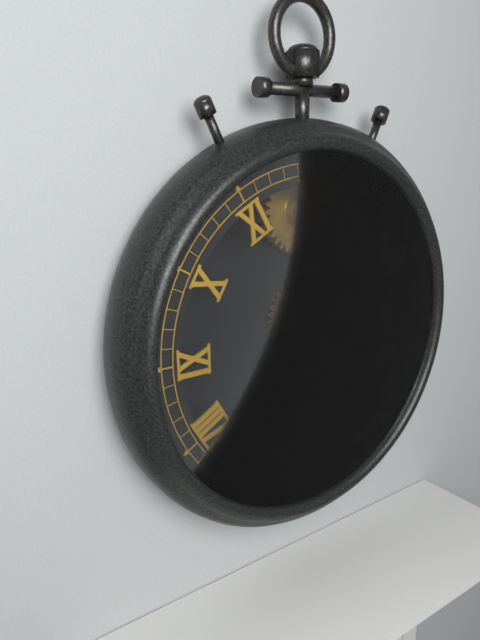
{"hour": 2, "minute": 13, "second": 18}
